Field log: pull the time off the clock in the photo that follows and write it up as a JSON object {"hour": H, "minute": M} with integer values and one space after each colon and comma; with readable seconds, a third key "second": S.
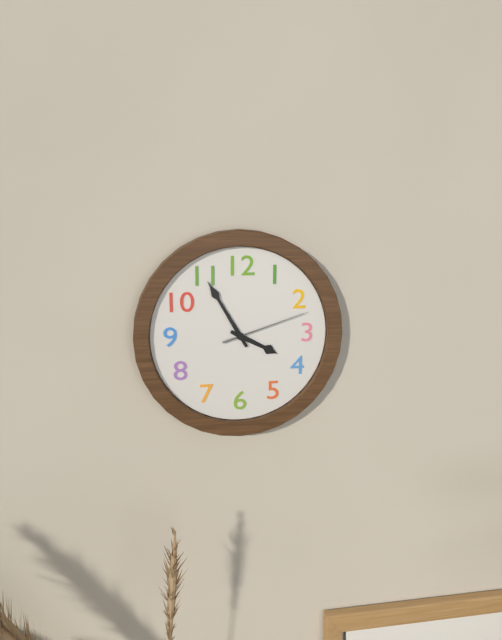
{"hour": 3, "minute": 55, "second": 12}
